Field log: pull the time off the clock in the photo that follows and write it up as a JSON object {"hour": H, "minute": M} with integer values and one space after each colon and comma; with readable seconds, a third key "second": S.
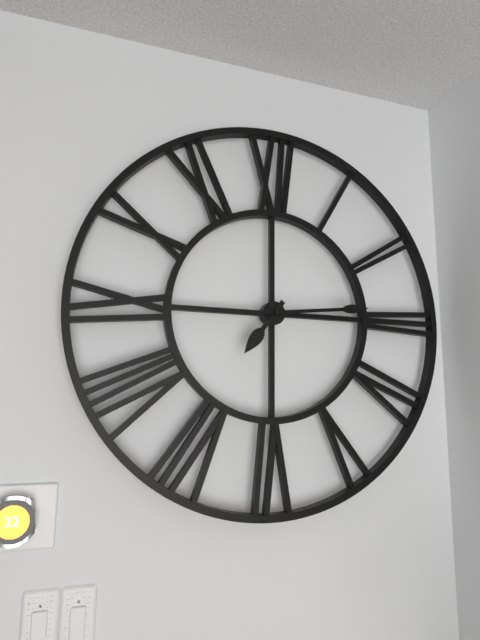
{"hour": 7, "minute": 14, "second": 14}
